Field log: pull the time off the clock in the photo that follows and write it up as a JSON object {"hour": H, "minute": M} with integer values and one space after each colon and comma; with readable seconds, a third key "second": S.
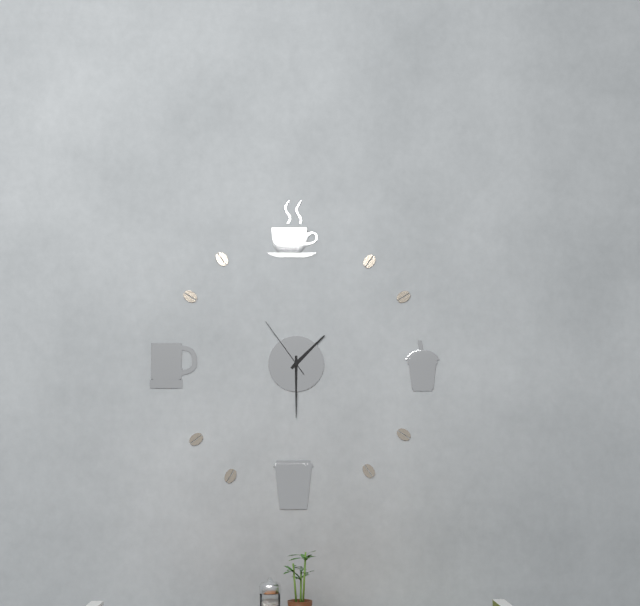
{"hour": 1, "minute": 30, "second": 54}
